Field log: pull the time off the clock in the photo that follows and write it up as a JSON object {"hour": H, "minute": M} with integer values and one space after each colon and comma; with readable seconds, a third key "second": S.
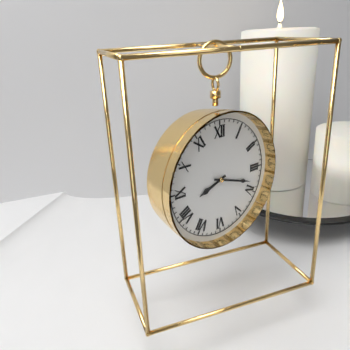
{"hour": 8, "minute": 18}
